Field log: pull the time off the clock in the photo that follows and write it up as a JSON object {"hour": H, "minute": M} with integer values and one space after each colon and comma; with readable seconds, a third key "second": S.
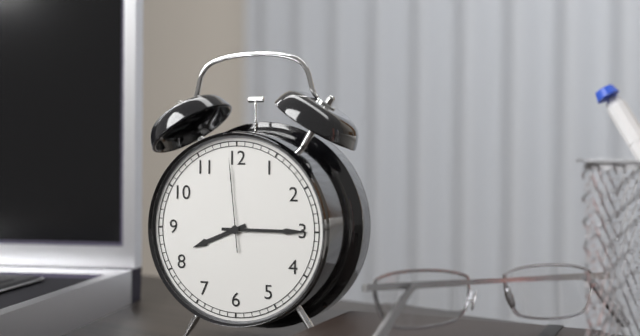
{"hour": 8, "minute": 15, "second": 59}
